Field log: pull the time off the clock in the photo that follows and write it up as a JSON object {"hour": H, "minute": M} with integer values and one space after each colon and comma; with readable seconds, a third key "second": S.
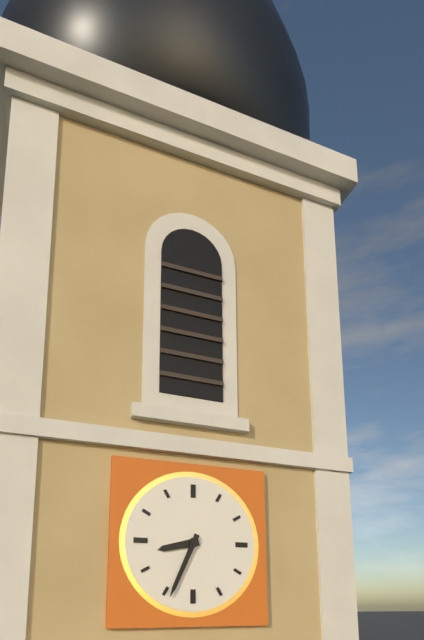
{"hour": 8, "minute": 34}
